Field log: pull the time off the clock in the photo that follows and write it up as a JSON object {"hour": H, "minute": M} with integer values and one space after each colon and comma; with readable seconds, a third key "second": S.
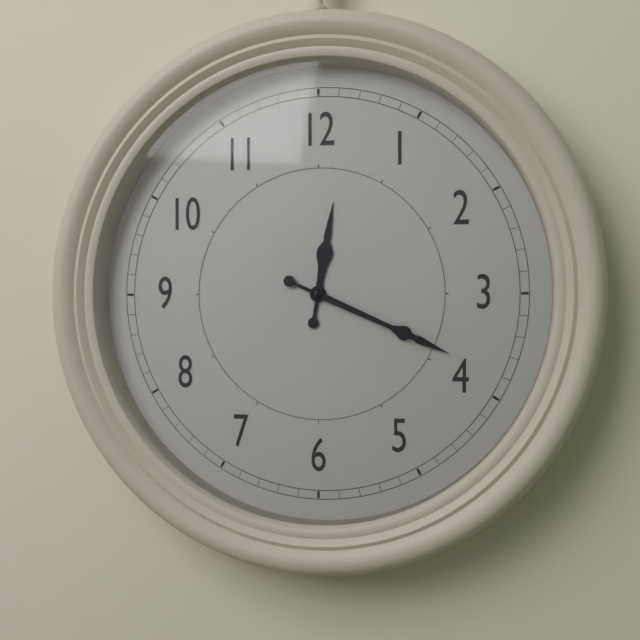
{"hour": 12, "minute": 19}
